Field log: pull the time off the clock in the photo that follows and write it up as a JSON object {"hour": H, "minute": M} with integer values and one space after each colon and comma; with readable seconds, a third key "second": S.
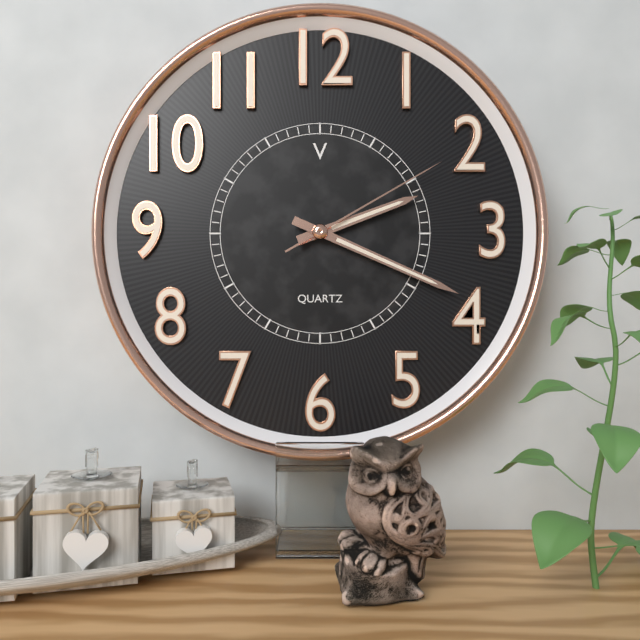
{"hour": 2, "minute": 19, "second": 10}
